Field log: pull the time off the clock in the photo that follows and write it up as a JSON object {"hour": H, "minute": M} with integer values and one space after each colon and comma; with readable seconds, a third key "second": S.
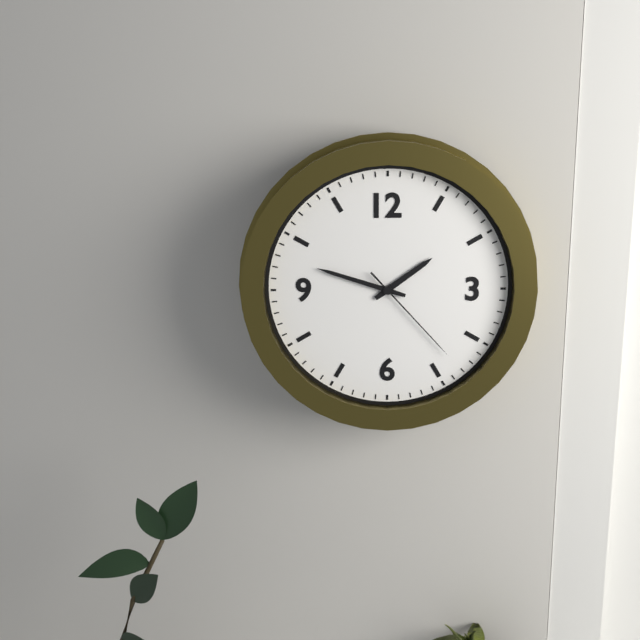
{"hour": 1, "minute": 48, "second": 23}
